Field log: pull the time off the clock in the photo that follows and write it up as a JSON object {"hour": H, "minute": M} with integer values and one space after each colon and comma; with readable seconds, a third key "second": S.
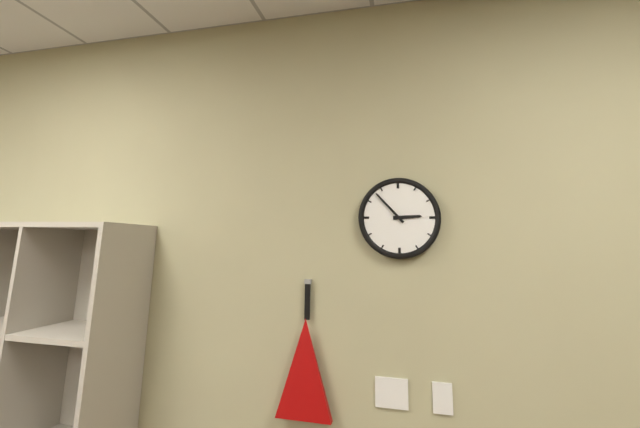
{"hour": 2, "minute": 53}
